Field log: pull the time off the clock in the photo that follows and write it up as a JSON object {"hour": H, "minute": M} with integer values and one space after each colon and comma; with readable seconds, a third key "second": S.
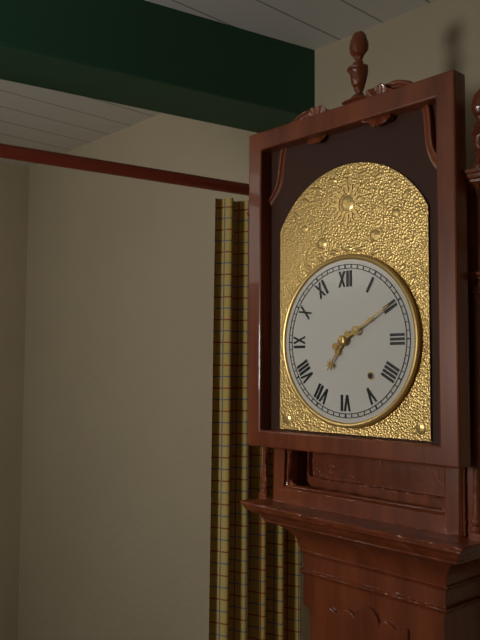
{"hour": 7, "minute": 10}
